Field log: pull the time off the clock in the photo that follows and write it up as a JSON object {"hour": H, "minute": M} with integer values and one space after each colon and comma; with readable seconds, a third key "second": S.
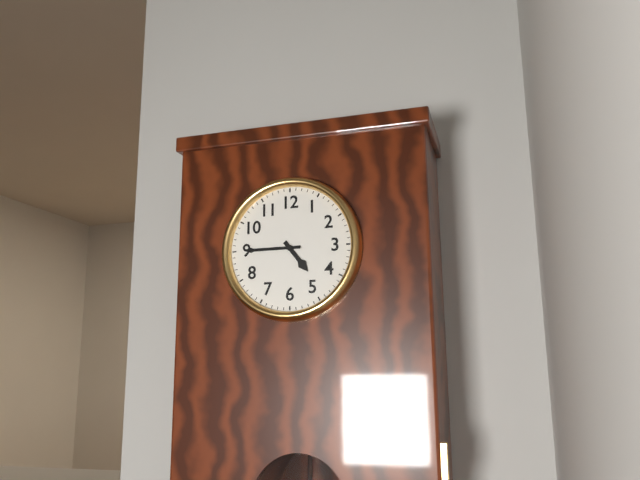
{"hour": 4, "minute": 45}
